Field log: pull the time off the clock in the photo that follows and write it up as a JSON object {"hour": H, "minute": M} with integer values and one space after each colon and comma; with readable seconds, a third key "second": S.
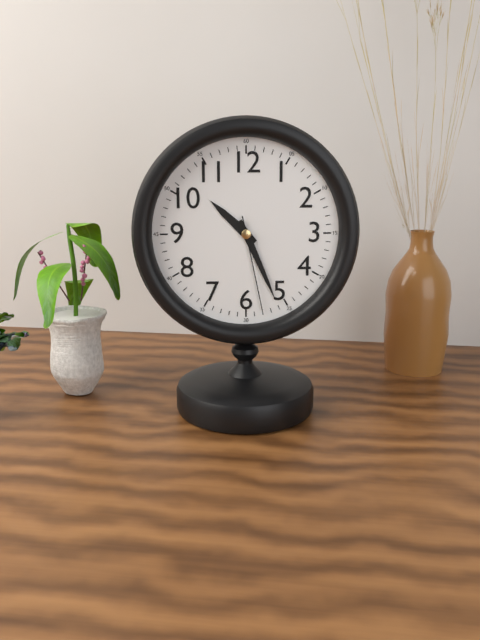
{"hour": 10, "minute": 26, "second": 28}
